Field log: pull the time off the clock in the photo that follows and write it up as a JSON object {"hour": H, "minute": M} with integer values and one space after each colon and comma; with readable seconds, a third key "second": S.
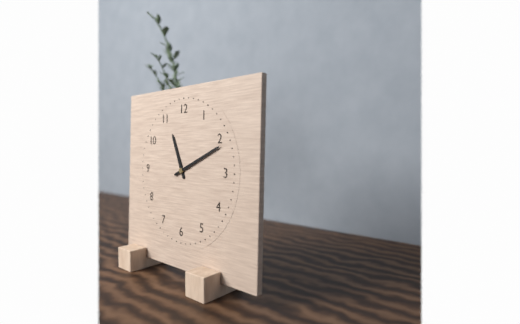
{"hour": 11, "minute": 11}
